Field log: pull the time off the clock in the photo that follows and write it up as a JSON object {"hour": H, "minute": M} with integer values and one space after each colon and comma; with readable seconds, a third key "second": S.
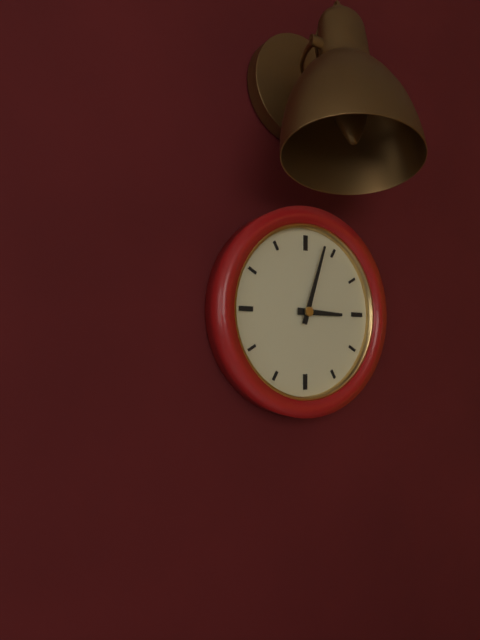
{"hour": 3, "minute": 3}
